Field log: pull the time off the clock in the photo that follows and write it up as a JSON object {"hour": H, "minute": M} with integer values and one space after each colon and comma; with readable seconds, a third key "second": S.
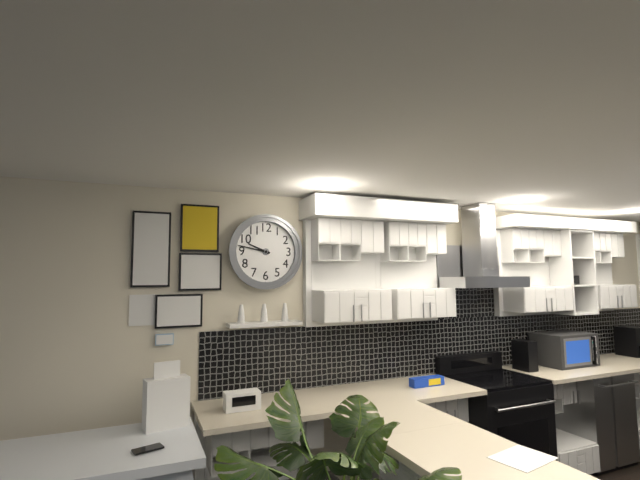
{"hour": 9, "minute": 47}
